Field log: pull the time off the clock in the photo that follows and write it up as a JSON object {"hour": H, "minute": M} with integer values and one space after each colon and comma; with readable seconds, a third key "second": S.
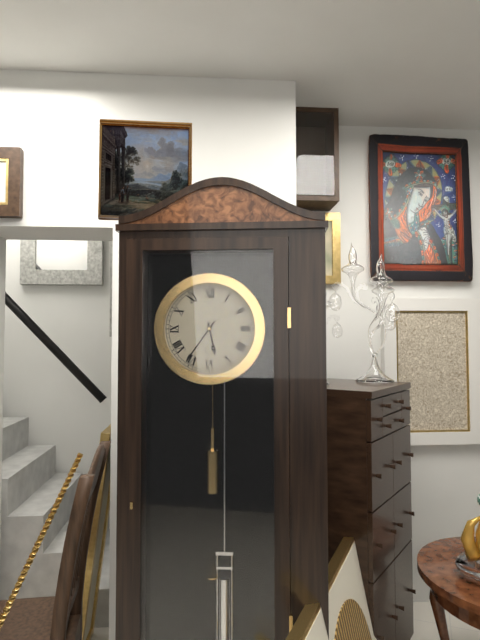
{"hour": 5, "minute": 36}
